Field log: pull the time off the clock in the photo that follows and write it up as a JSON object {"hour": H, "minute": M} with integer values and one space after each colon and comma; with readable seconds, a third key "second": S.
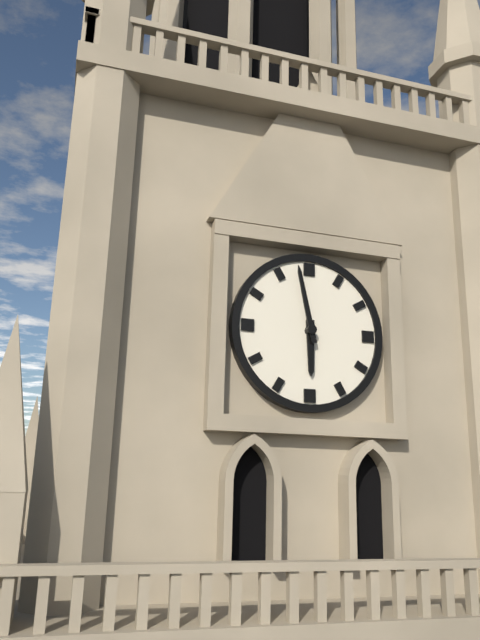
{"hour": 5, "minute": 58}
